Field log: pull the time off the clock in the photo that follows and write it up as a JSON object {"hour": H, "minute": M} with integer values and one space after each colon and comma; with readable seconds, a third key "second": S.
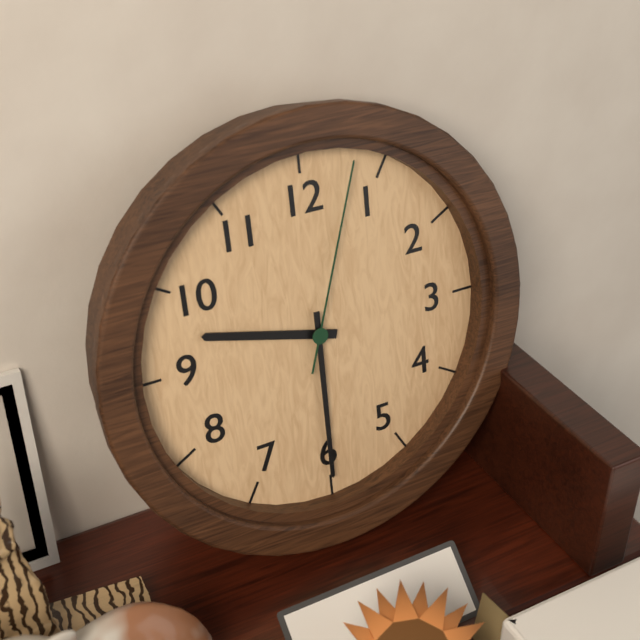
{"hour": 9, "minute": 30, "second": 3}
